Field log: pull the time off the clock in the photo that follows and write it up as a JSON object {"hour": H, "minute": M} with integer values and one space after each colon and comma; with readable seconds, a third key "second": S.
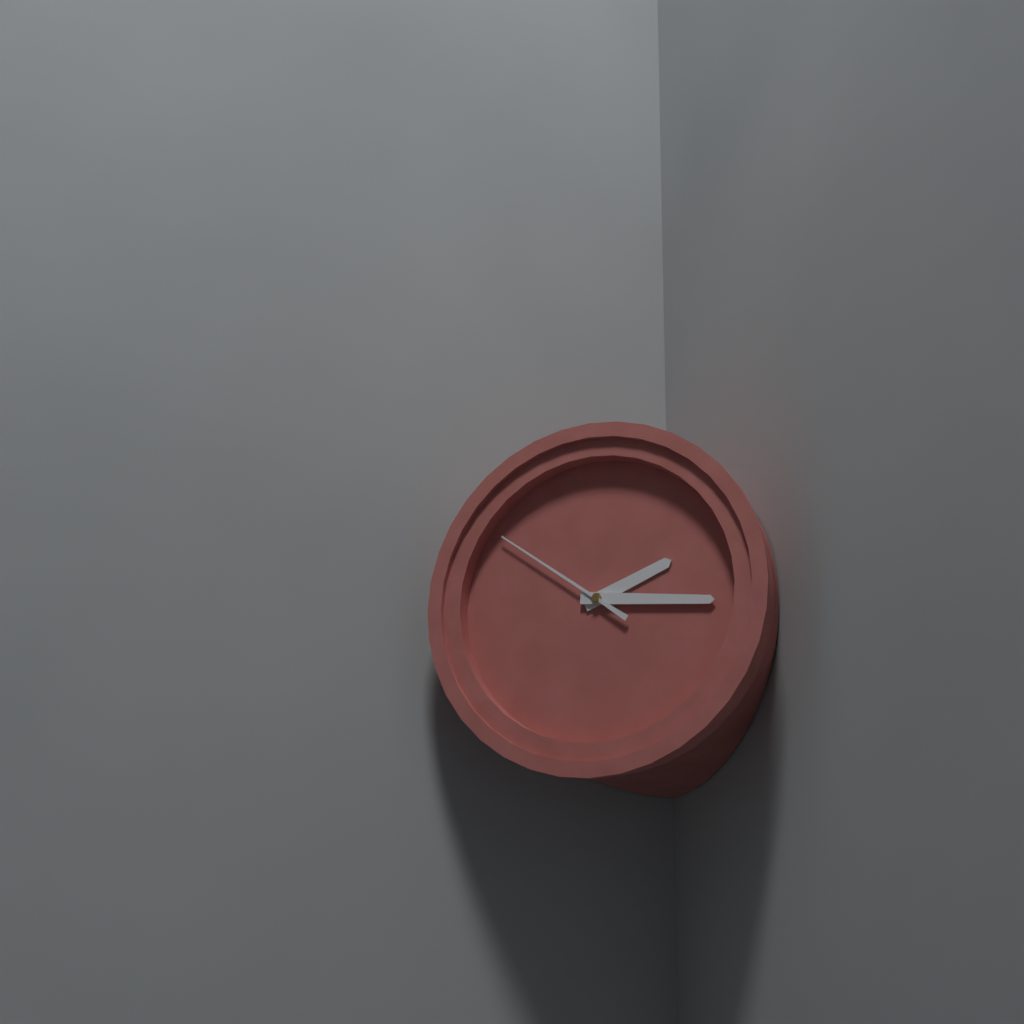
{"hour": 2, "minute": 16, "second": 51}
